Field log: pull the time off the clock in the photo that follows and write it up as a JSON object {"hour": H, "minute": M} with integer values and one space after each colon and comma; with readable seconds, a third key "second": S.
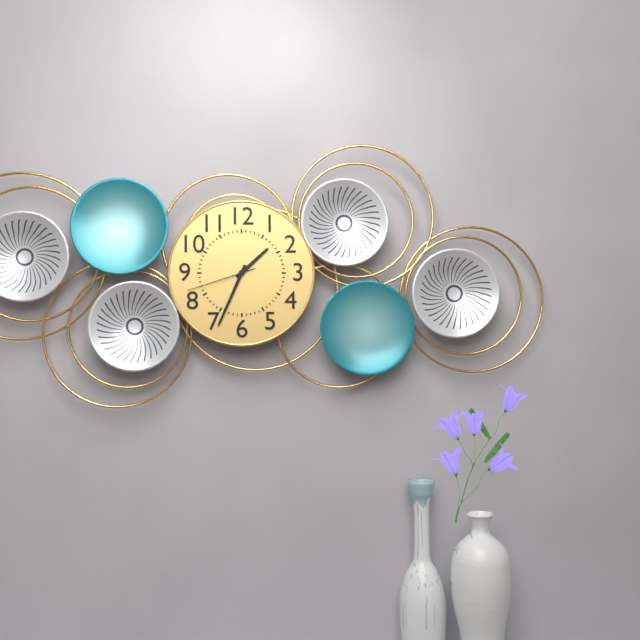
{"hour": 1, "minute": 34, "second": 42}
